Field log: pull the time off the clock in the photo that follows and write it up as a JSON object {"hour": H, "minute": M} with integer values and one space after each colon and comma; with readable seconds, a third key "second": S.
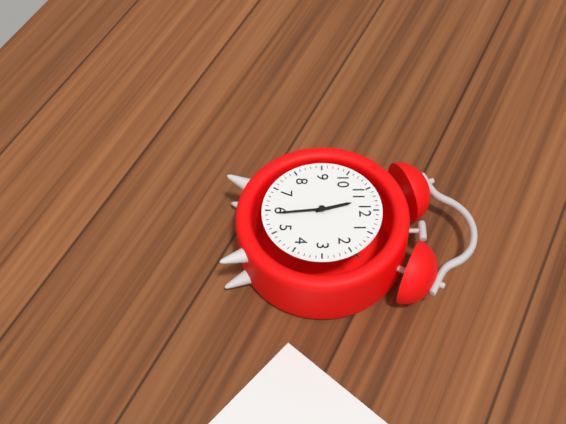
{"hour": 11, "minute": 29}
